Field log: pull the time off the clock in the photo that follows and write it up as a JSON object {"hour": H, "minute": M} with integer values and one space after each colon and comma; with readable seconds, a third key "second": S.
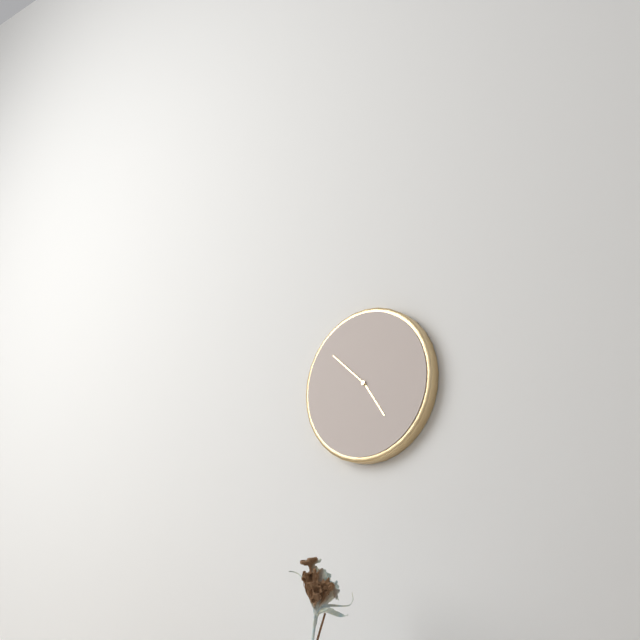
{"hour": 4, "minute": 52}
